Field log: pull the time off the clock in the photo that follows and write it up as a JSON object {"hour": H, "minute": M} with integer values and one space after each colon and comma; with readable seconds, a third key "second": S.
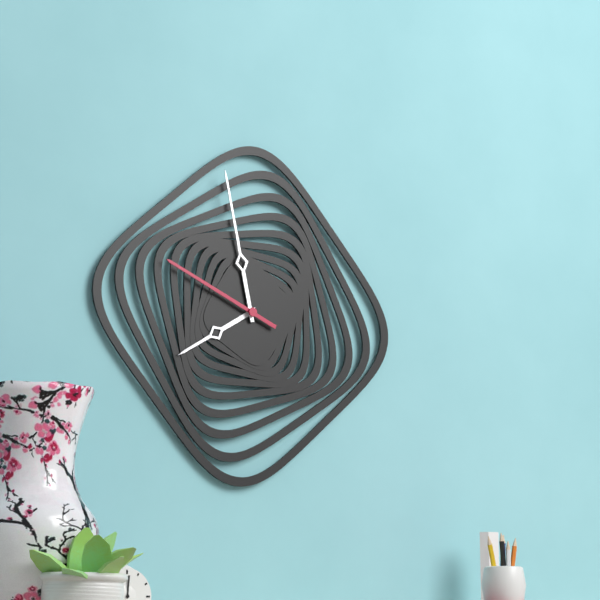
{"hour": 7, "minute": 58, "second": 49}
